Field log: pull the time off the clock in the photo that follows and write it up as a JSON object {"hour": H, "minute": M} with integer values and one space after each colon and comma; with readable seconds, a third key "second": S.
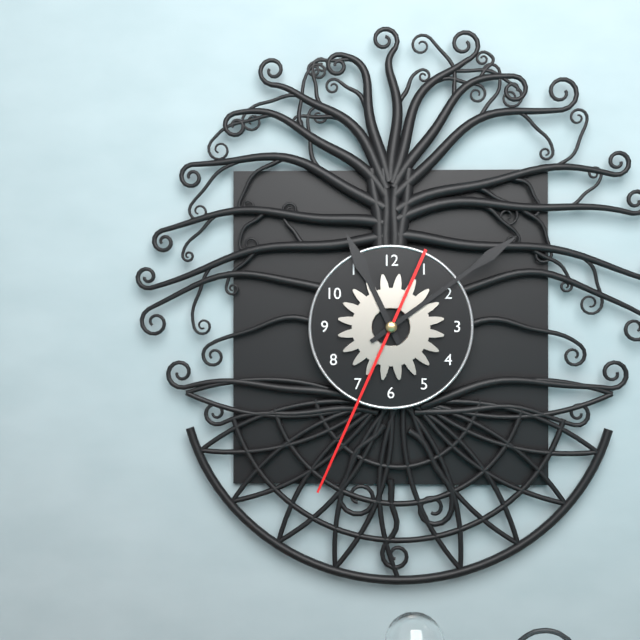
{"hour": 11, "minute": 9, "second": 34}
